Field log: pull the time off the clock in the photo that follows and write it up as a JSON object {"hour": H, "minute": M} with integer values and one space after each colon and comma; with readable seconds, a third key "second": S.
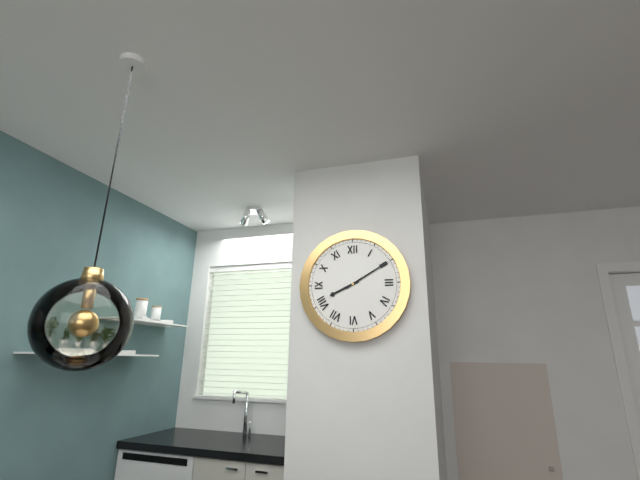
{"hour": 8, "minute": 10}
